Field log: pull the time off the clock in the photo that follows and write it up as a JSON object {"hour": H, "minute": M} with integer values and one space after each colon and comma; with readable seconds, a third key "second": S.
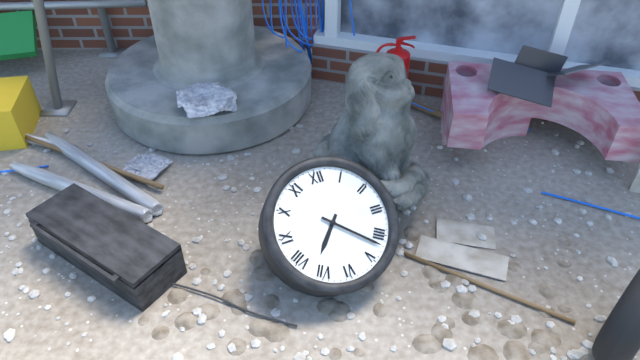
{"hour": 7, "minute": 22}
